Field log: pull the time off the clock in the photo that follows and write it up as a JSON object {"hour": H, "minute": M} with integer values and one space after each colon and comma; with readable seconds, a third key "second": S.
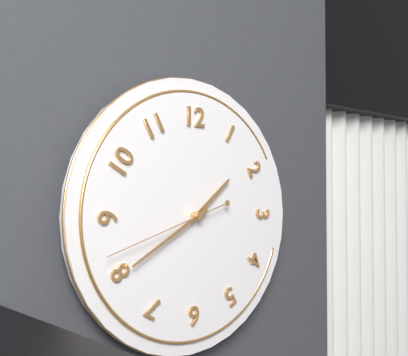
{"hour": 1, "minute": 40, "second": 42}
